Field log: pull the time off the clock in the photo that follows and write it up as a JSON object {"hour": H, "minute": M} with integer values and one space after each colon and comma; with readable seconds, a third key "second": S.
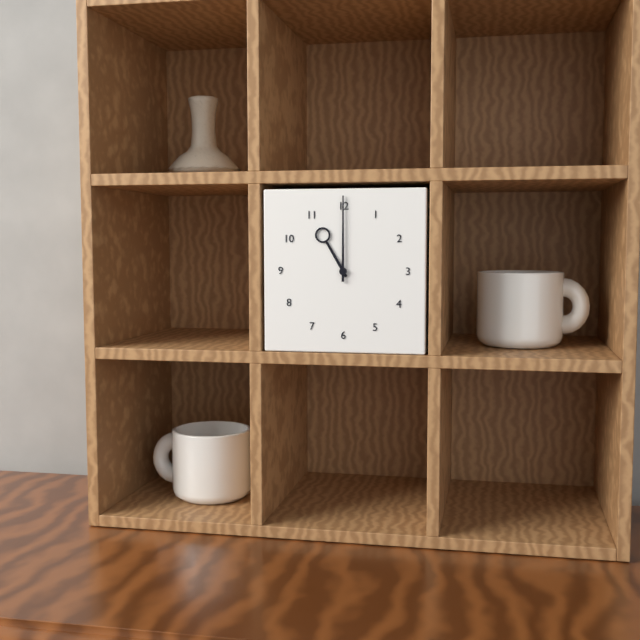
{"hour": 11, "minute": 0}
